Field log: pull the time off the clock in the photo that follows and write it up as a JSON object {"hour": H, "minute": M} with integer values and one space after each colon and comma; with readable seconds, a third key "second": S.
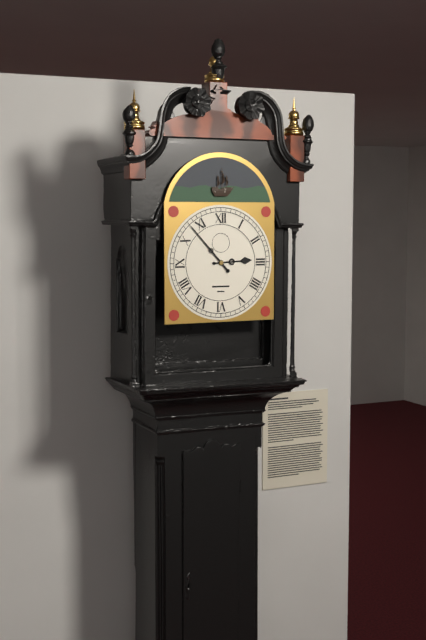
{"hour": 2, "minute": 53}
